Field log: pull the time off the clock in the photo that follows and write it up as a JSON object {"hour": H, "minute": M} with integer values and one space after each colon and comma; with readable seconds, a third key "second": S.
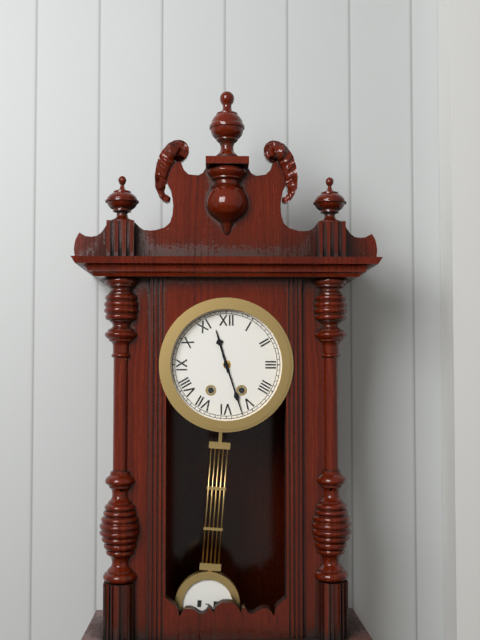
{"hour": 11, "minute": 27}
